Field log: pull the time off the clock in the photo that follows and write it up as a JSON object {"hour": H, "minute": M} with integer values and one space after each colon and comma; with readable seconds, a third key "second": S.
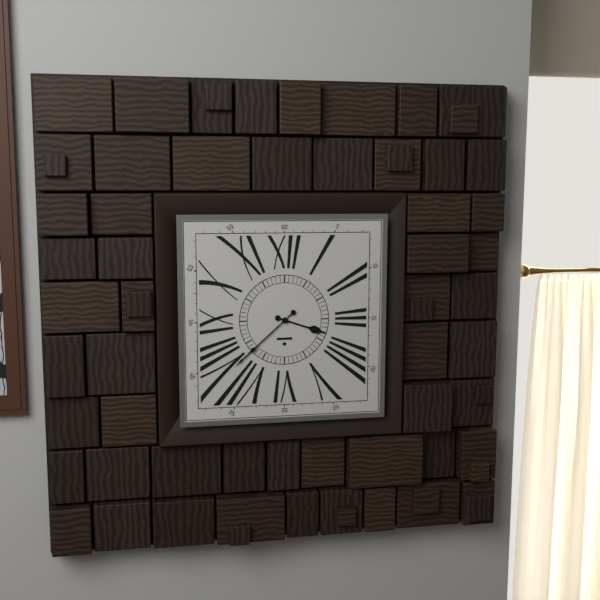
{"hour": 3, "minute": 38}
